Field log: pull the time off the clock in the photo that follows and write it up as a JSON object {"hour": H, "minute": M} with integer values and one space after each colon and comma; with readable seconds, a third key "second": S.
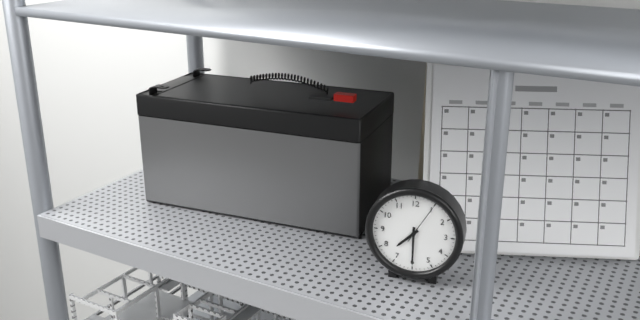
{"hour": 7, "minute": 30}
